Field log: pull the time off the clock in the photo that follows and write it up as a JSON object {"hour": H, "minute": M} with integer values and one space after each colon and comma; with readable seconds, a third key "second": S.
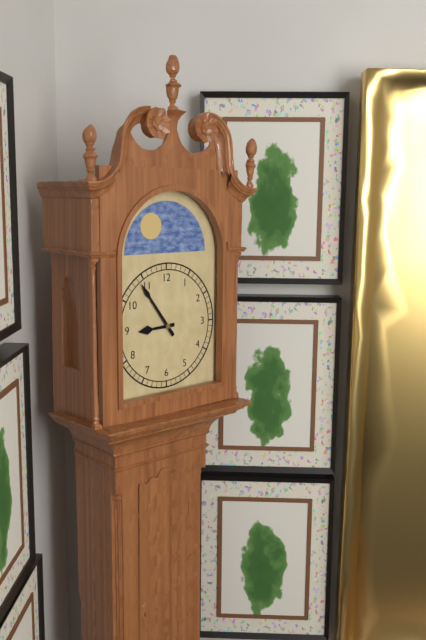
{"hour": 8, "minute": 54}
